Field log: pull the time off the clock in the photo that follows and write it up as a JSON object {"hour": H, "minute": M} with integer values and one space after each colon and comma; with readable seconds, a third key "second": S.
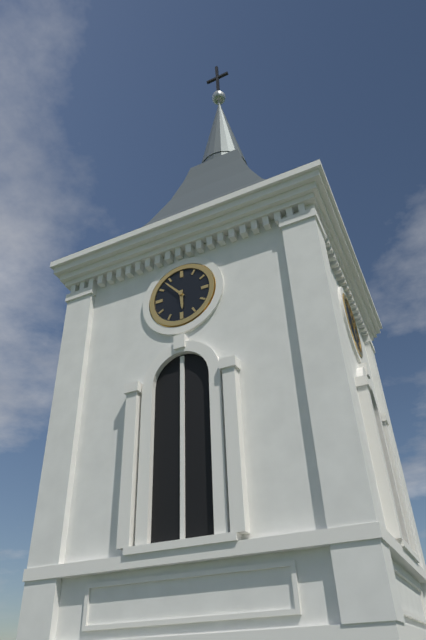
{"hour": 5, "minute": 53}
